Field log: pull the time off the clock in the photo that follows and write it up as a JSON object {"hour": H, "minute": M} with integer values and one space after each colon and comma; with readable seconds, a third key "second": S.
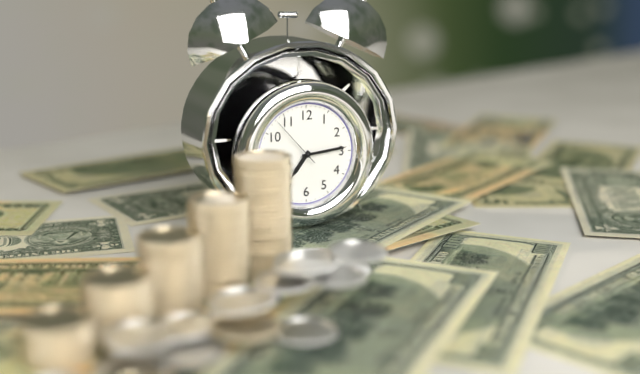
{"hour": 7, "minute": 14, "second": 53}
